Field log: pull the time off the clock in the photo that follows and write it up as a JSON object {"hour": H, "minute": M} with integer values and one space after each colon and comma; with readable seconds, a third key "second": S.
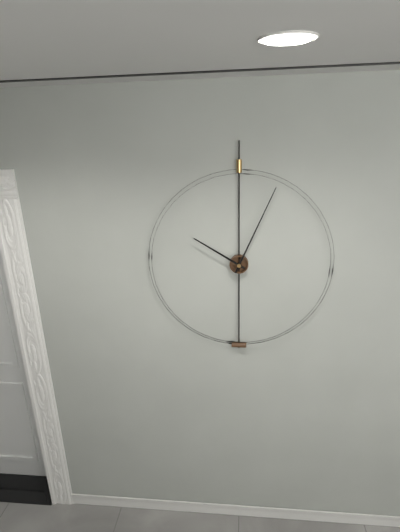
{"hour": 10, "minute": 4}
